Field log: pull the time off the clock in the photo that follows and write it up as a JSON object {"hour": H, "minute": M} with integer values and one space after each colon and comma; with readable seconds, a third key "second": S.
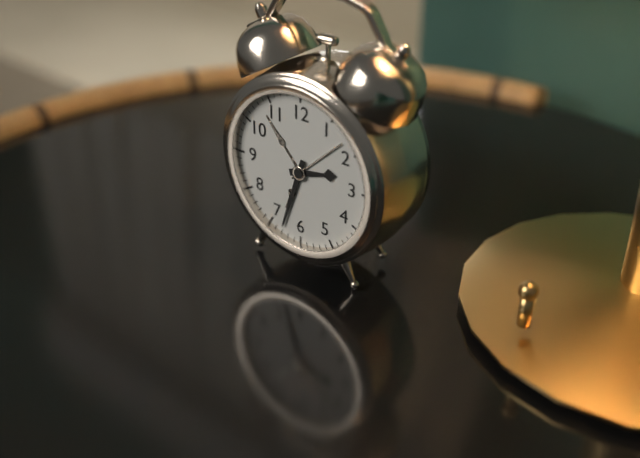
{"hour": 2, "minute": 33}
